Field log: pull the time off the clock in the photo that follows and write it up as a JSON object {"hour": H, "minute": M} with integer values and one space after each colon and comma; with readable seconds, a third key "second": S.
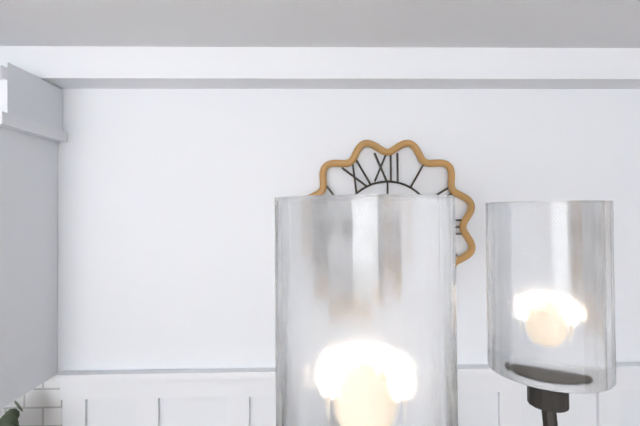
{"hour": 8, "minute": 9}
